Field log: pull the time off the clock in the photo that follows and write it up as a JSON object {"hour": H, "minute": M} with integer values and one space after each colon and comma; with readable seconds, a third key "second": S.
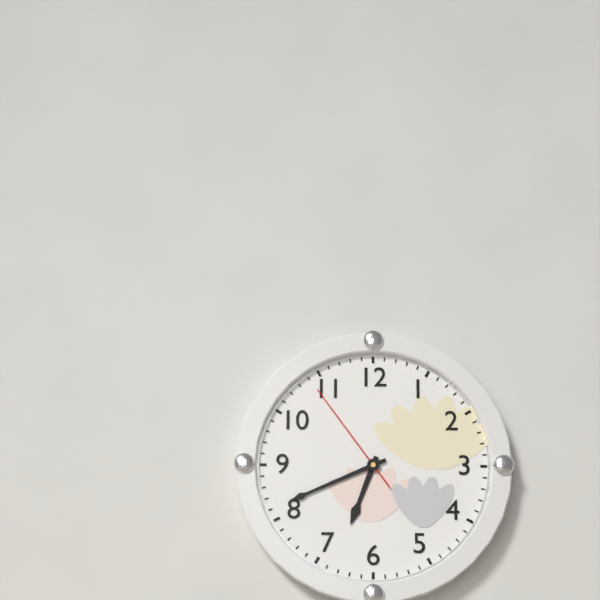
{"hour": 6, "minute": 41, "second": 54}
